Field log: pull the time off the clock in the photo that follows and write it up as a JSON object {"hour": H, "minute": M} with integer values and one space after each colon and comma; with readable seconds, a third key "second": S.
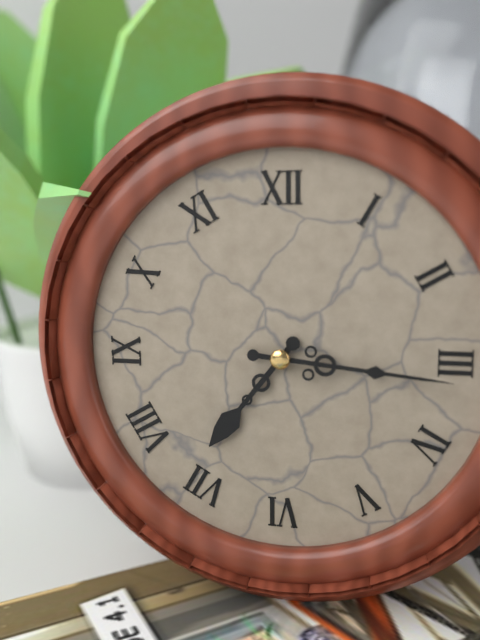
{"hour": 7, "minute": 16}
